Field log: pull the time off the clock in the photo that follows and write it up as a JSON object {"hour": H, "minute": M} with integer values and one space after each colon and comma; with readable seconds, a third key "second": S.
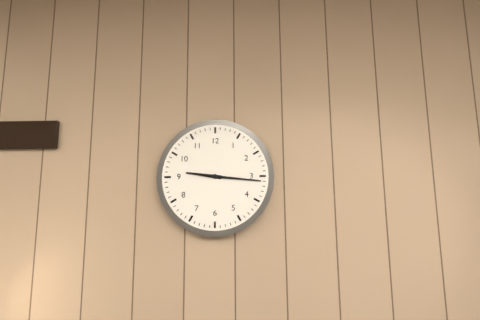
{"hour": 9, "minute": 16}
